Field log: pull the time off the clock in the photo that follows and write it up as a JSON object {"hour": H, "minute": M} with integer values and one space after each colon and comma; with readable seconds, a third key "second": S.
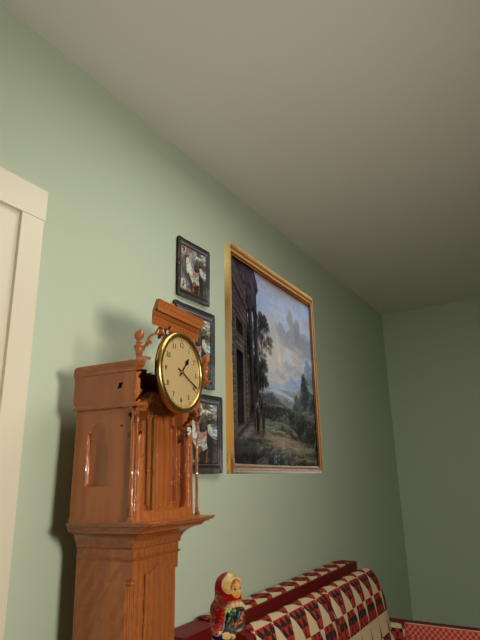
{"hour": 1, "minute": 19}
